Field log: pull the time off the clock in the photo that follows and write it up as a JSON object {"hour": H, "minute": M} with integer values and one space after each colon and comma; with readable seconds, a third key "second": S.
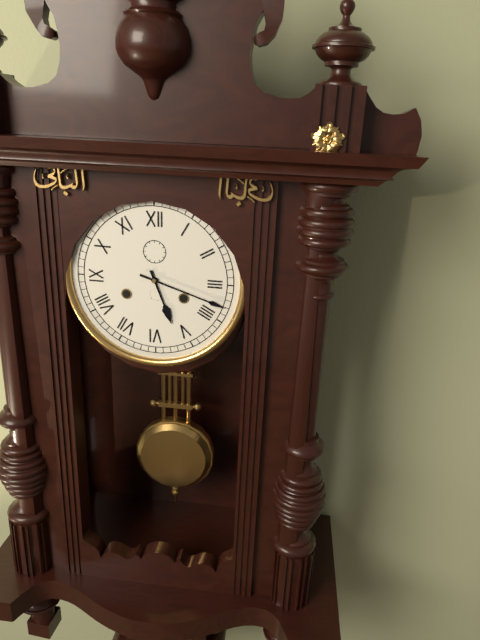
{"hour": 5, "minute": 18}
